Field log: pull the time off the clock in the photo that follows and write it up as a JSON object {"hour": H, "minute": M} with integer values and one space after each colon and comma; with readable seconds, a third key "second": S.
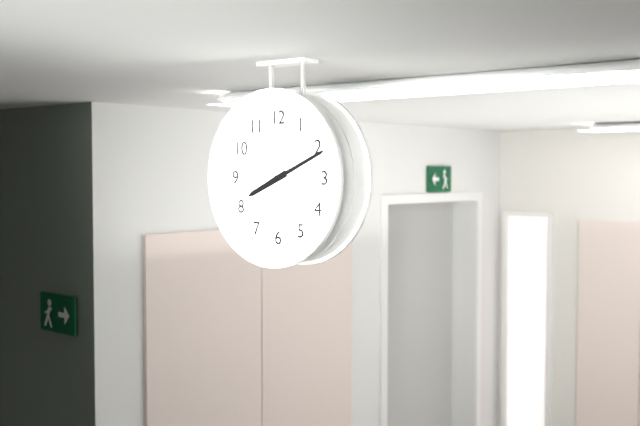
{"hour": 8, "minute": 11}
